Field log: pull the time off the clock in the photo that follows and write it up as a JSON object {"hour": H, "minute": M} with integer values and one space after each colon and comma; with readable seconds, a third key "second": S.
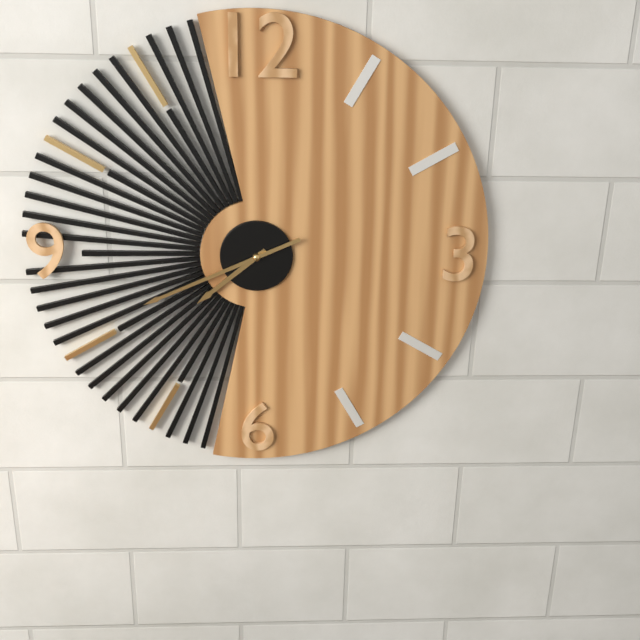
{"hour": 7, "minute": 41}
